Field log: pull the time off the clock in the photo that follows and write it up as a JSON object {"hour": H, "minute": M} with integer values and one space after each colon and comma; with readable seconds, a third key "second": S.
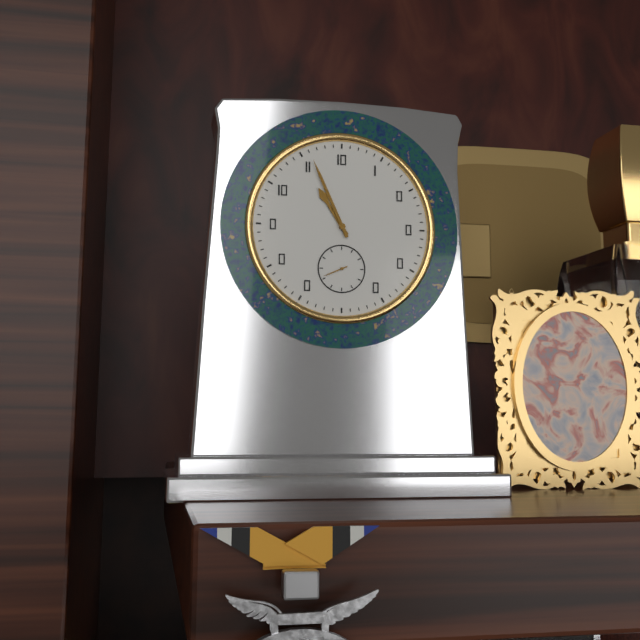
{"hour": 10, "minute": 56}
